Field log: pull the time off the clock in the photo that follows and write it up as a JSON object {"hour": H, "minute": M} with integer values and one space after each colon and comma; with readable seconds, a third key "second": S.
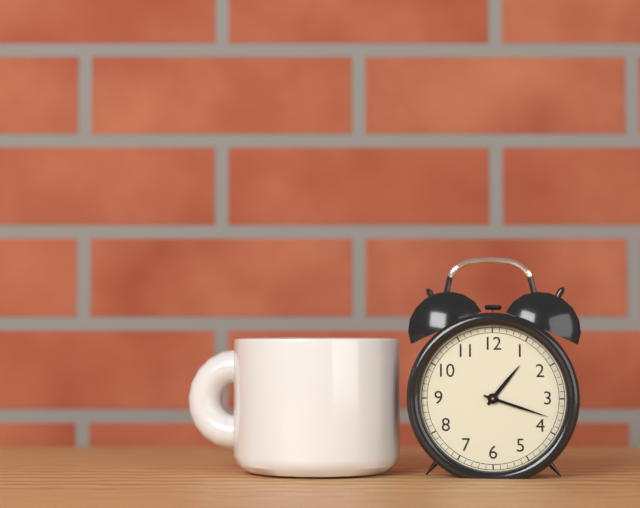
{"hour": 1, "minute": 18}
